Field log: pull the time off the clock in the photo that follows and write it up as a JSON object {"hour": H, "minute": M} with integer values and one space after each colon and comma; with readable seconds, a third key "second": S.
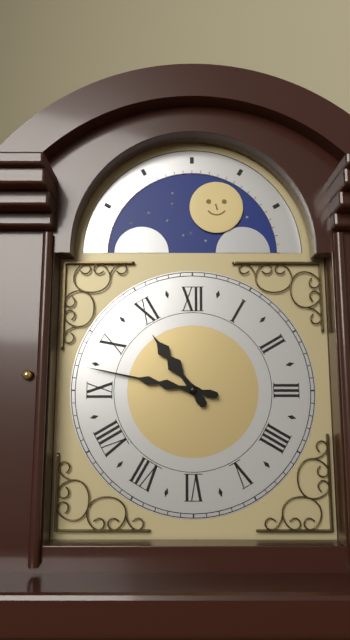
{"hour": 10, "minute": 47}
